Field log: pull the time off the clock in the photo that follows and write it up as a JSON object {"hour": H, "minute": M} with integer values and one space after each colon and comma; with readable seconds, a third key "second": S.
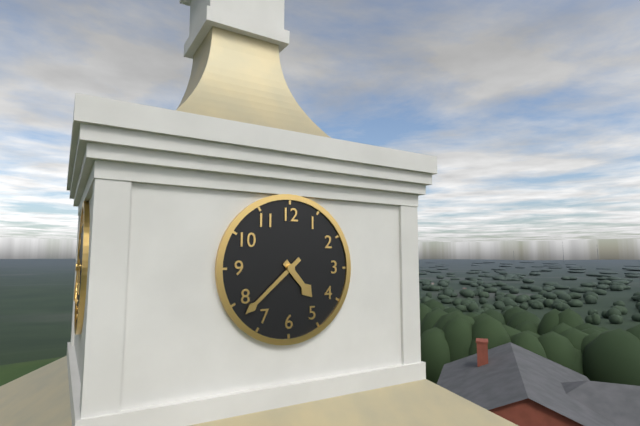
{"hour": 4, "minute": 38}
